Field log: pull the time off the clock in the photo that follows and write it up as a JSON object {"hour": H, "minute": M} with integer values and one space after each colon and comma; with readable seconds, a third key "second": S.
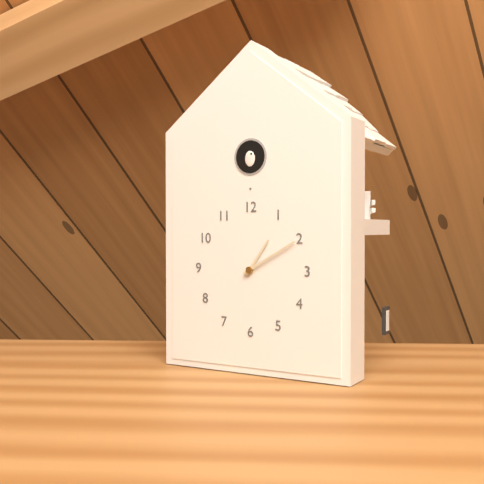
{"hour": 1, "minute": 10}
